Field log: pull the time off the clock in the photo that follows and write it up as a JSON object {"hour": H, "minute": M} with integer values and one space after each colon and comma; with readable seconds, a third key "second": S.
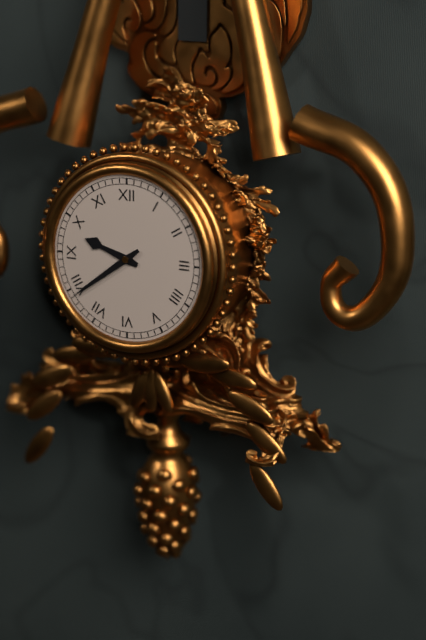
{"hour": 9, "minute": 39}
